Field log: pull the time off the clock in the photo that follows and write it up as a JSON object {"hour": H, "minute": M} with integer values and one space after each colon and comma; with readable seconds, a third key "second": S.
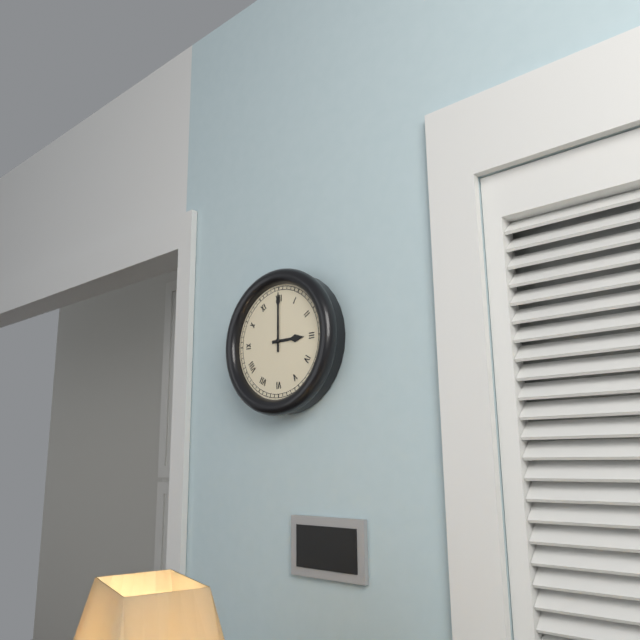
{"hour": 3, "minute": 0}
